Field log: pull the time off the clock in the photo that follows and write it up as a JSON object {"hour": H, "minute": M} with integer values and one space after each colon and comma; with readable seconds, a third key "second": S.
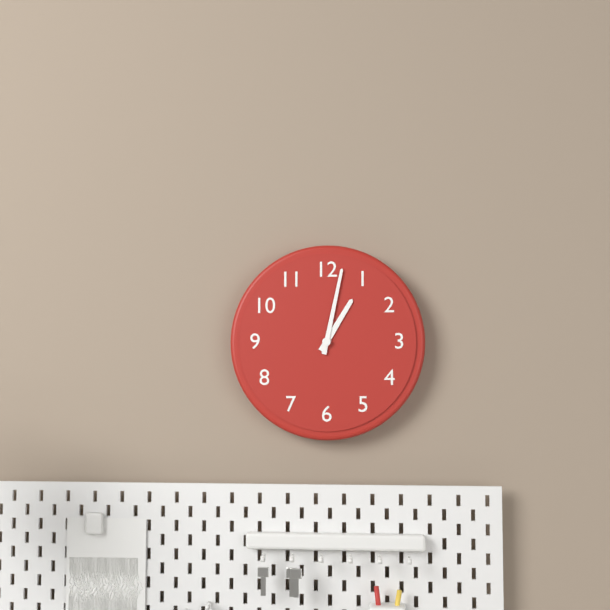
{"hour": 1, "minute": 2}
